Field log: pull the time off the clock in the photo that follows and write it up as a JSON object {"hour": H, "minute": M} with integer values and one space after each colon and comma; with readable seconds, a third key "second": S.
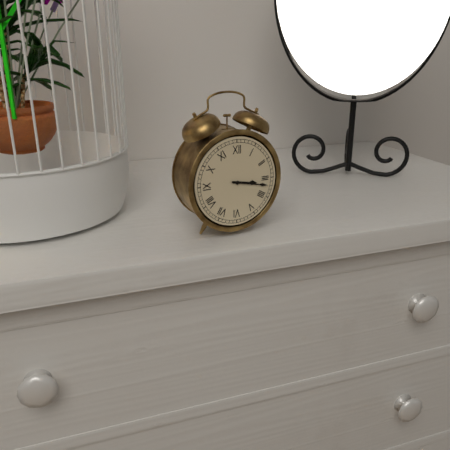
{"hour": 3, "minute": 17}
